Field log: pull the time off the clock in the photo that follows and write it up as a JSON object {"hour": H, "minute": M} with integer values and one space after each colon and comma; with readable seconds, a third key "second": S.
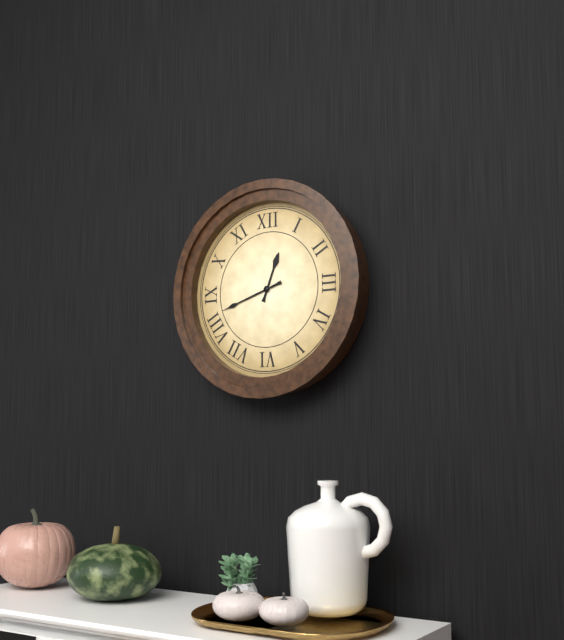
{"hour": 12, "minute": 42}
